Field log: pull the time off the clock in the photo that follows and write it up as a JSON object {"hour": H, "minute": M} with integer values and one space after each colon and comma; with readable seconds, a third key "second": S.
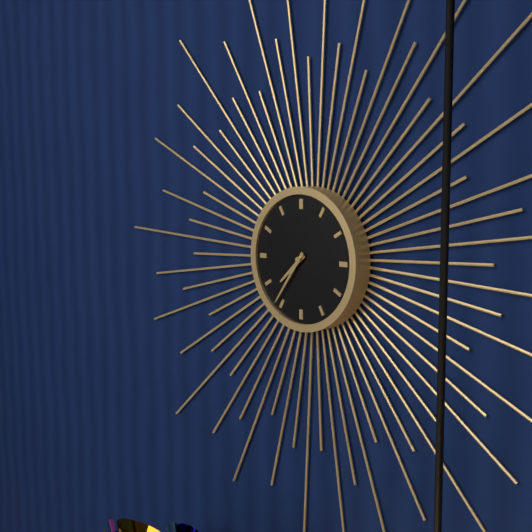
{"hour": 7, "minute": 36}
